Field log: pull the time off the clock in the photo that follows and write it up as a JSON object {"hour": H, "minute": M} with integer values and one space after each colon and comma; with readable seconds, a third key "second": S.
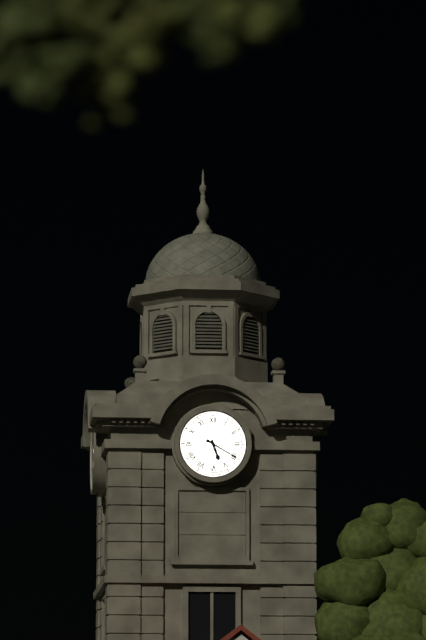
{"hour": 5, "minute": 20}
